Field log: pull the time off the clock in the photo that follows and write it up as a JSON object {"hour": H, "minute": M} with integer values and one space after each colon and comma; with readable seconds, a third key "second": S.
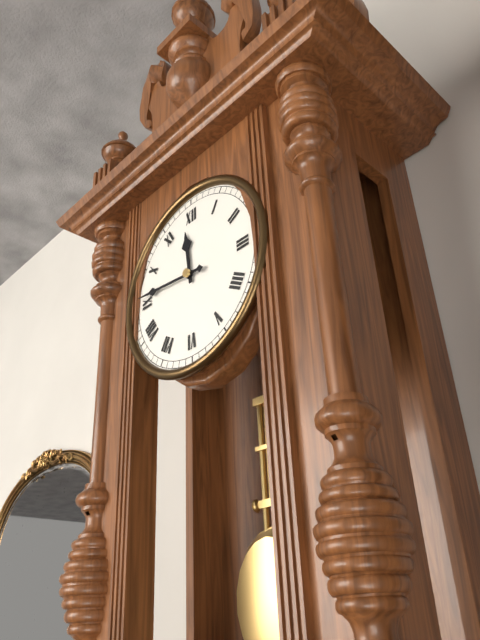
{"hour": 11, "minute": 46}
